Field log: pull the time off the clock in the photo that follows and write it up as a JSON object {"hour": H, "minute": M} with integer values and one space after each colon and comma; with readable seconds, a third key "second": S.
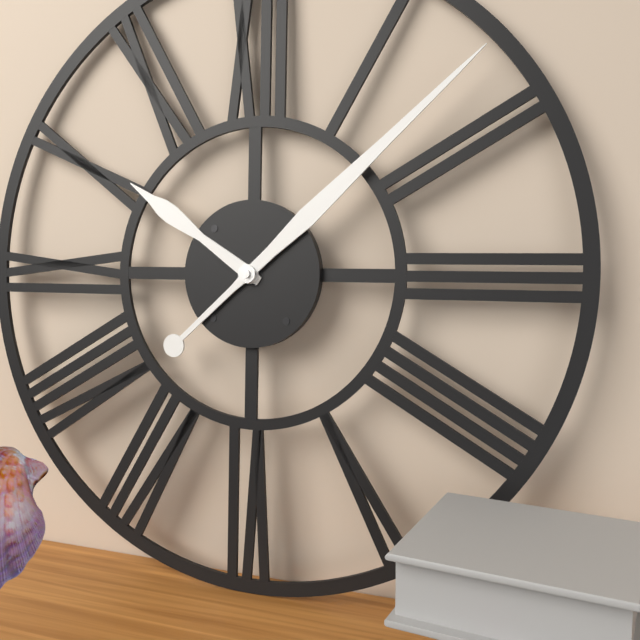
{"hour": 10, "minute": 8}
